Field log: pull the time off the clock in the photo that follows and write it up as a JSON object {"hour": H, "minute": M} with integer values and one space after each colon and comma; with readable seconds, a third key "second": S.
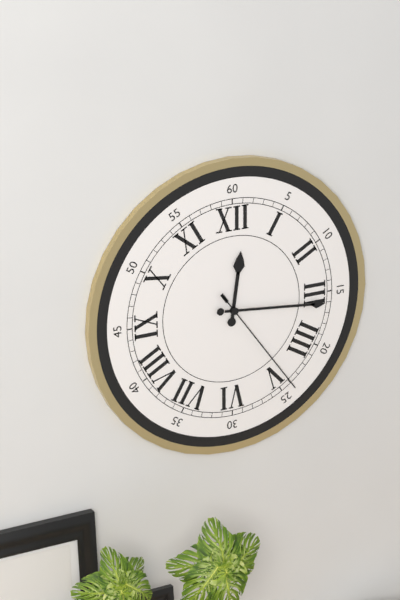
{"hour": 12, "minute": 16, "second": 24}
